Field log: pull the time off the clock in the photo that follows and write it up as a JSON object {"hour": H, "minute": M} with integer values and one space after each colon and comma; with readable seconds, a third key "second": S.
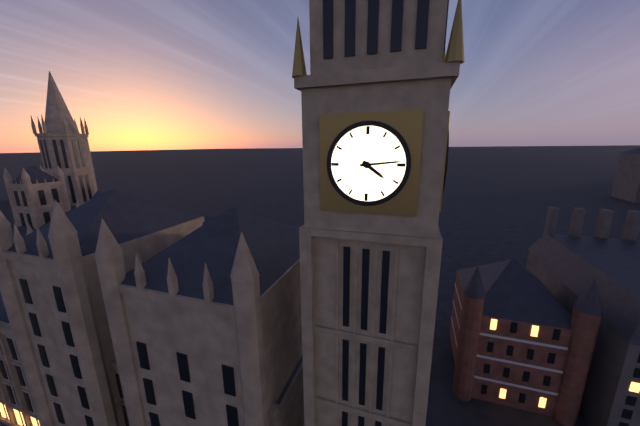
{"hour": 4, "minute": 14}
